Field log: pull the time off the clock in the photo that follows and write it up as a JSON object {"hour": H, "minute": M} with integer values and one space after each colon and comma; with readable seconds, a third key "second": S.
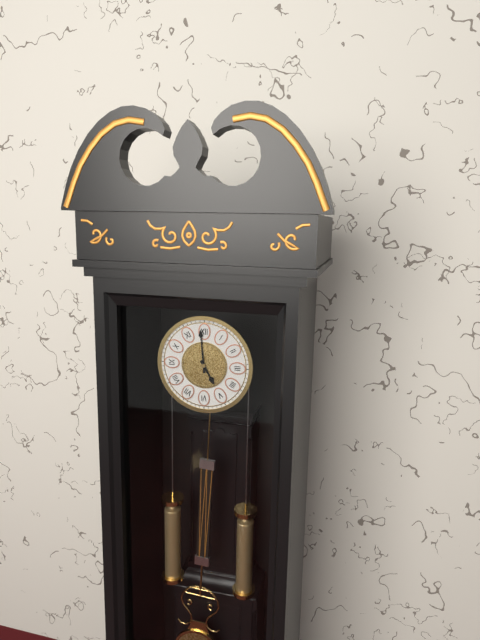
{"hour": 4, "minute": 59}
